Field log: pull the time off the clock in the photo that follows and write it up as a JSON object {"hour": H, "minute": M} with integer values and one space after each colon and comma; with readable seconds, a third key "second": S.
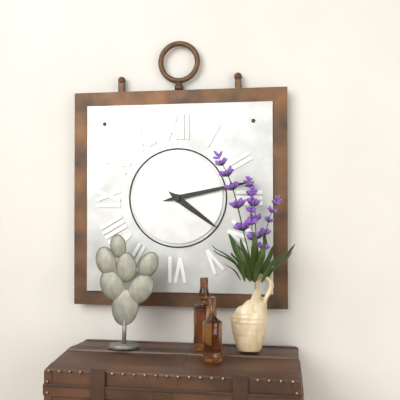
{"hour": 4, "minute": 13}
